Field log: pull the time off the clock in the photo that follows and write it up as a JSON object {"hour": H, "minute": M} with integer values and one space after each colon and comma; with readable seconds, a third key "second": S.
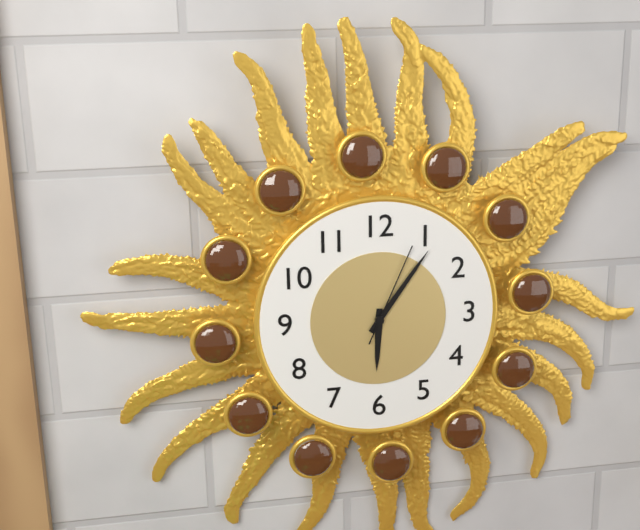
{"hour": 6, "minute": 6, "second": 4}
